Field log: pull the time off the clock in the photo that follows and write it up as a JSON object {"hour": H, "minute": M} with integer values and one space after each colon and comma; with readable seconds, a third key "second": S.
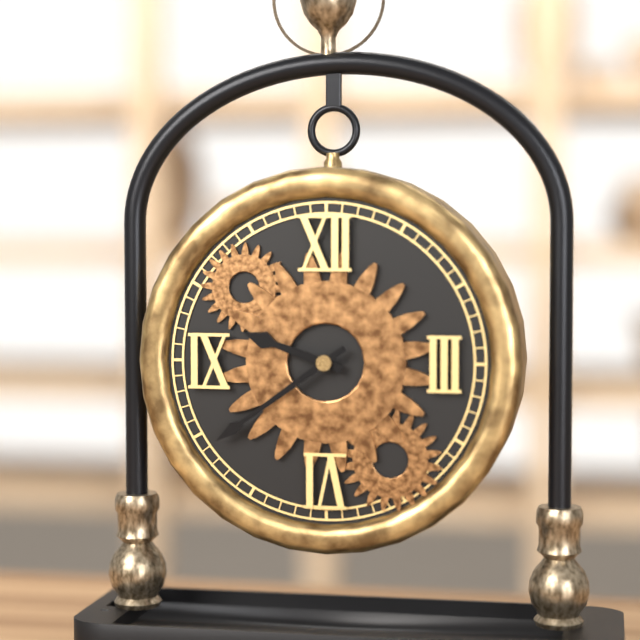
{"hour": 9, "minute": 39}
